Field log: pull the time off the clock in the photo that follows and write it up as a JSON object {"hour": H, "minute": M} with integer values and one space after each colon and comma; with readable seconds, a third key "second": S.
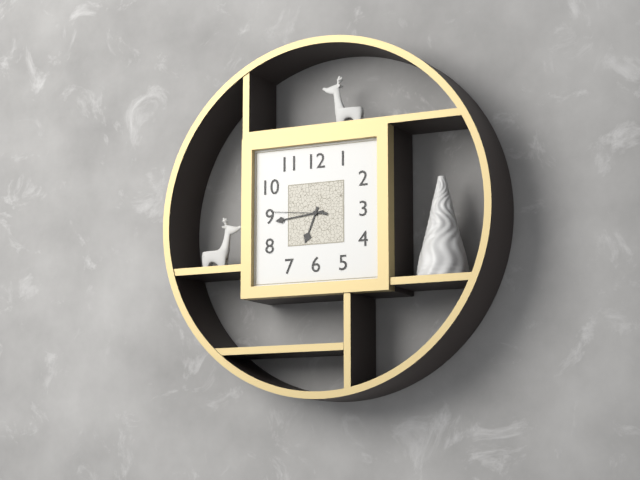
{"hour": 6, "minute": 44, "second": 46}
